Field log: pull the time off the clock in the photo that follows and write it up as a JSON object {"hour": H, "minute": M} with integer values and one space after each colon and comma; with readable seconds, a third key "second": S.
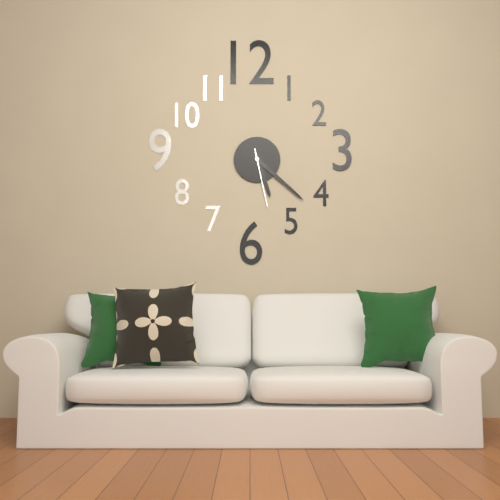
{"hour": 5, "minute": 22, "second": 28}
